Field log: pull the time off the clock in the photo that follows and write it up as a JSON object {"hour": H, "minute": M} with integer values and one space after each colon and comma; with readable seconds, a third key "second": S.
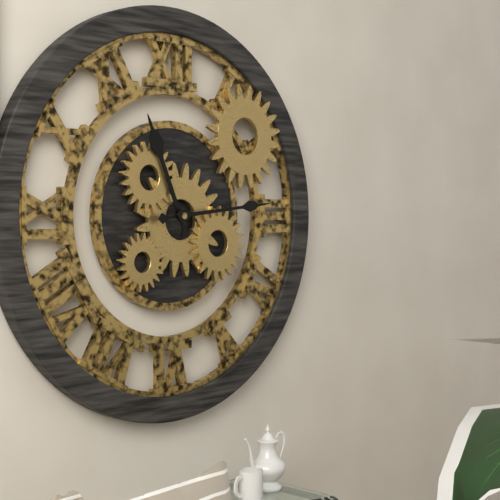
{"hour": 11, "minute": 14}
